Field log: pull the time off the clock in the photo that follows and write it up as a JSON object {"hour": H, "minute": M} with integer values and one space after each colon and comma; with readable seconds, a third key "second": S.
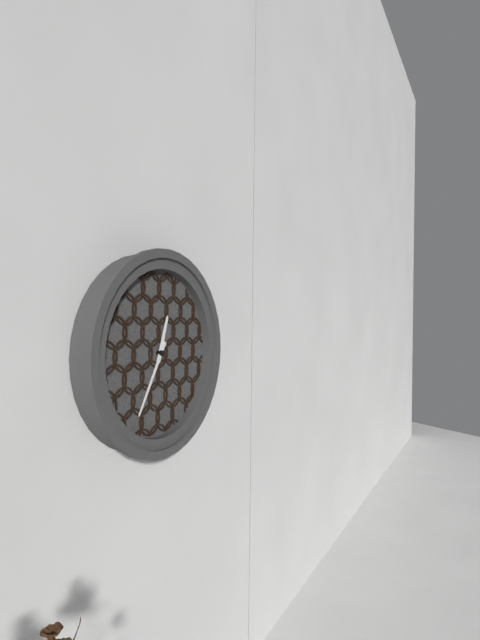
{"hour": 12, "minute": 35}
